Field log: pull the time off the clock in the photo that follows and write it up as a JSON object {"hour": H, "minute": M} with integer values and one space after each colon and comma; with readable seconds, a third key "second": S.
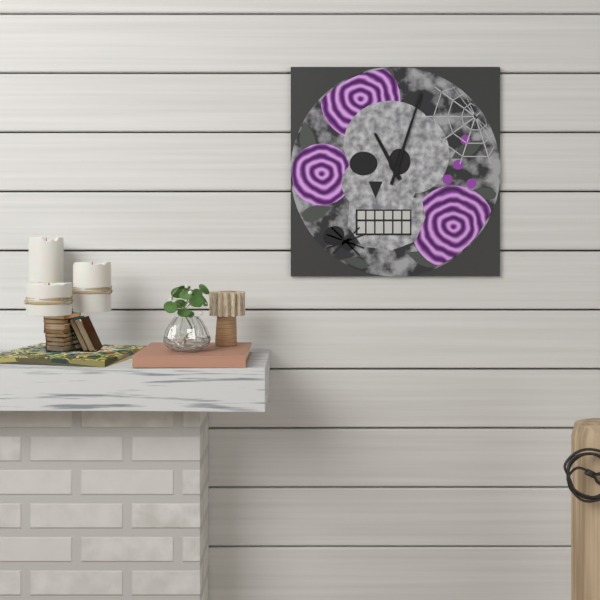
{"hour": 11, "minute": 3}
